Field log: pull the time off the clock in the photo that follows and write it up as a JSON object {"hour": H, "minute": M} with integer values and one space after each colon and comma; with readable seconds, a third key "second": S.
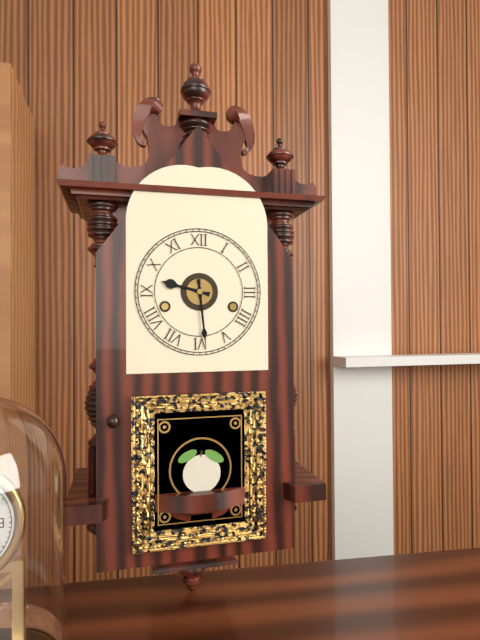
{"hour": 9, "minute": 29}
